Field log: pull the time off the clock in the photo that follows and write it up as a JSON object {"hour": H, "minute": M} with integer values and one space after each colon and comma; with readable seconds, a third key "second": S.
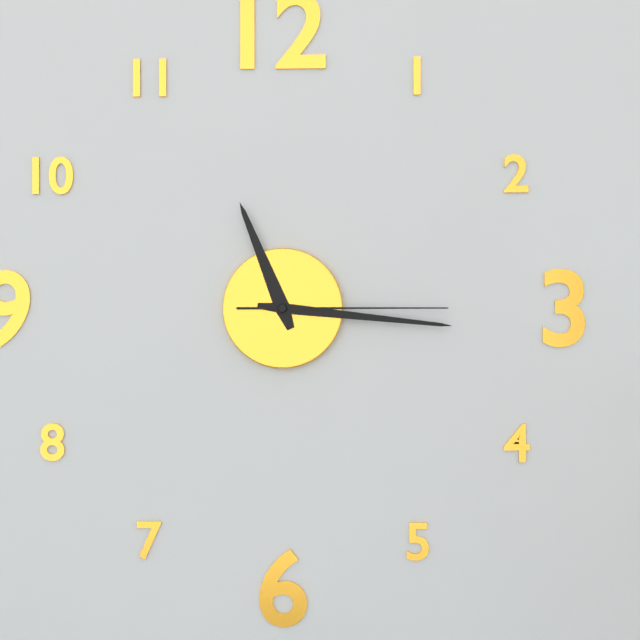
{"hour": 11, "minute": 16, "second": 15}
